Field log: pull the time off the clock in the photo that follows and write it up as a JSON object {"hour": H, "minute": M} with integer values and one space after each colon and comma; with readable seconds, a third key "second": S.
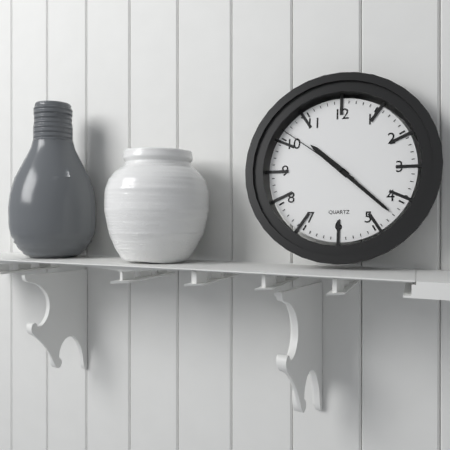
{"hour": 10, "minute": 22, "second": 51}
